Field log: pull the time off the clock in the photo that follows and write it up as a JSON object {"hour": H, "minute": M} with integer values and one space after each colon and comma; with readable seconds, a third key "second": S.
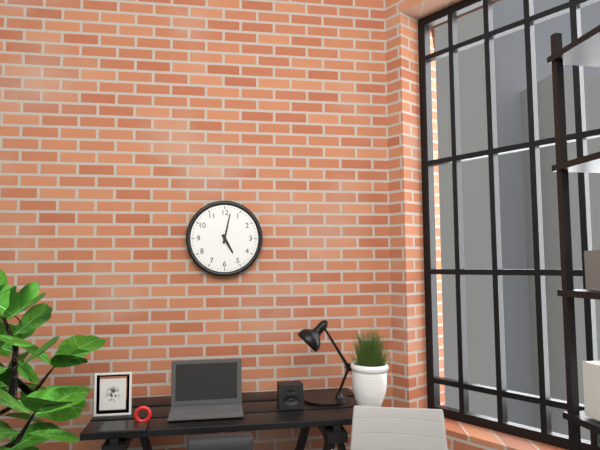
{"hour": 5, "minute": 2}
